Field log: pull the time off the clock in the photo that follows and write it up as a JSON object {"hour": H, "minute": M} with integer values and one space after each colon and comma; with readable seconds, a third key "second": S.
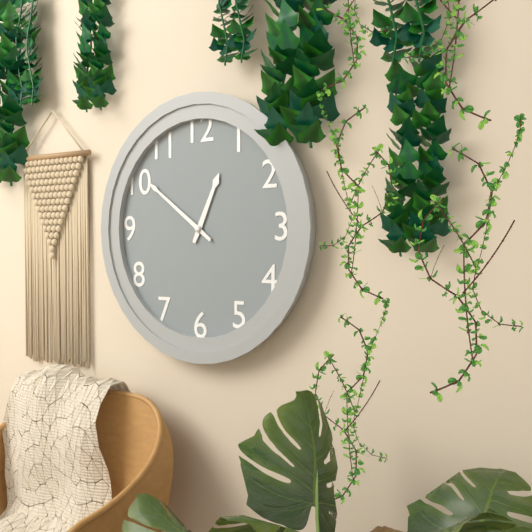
{"hour": 12, "minute": 51}
